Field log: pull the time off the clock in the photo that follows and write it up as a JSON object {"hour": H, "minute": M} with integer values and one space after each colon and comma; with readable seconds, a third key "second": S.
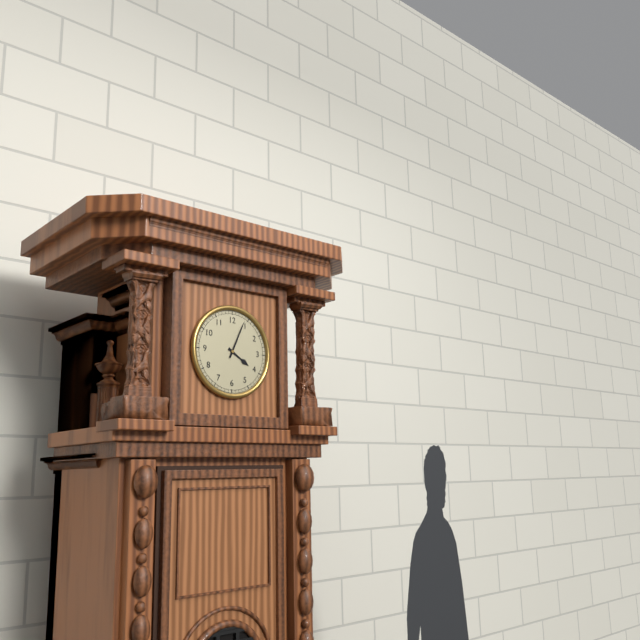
{"hour": 4, "minute": 4}
